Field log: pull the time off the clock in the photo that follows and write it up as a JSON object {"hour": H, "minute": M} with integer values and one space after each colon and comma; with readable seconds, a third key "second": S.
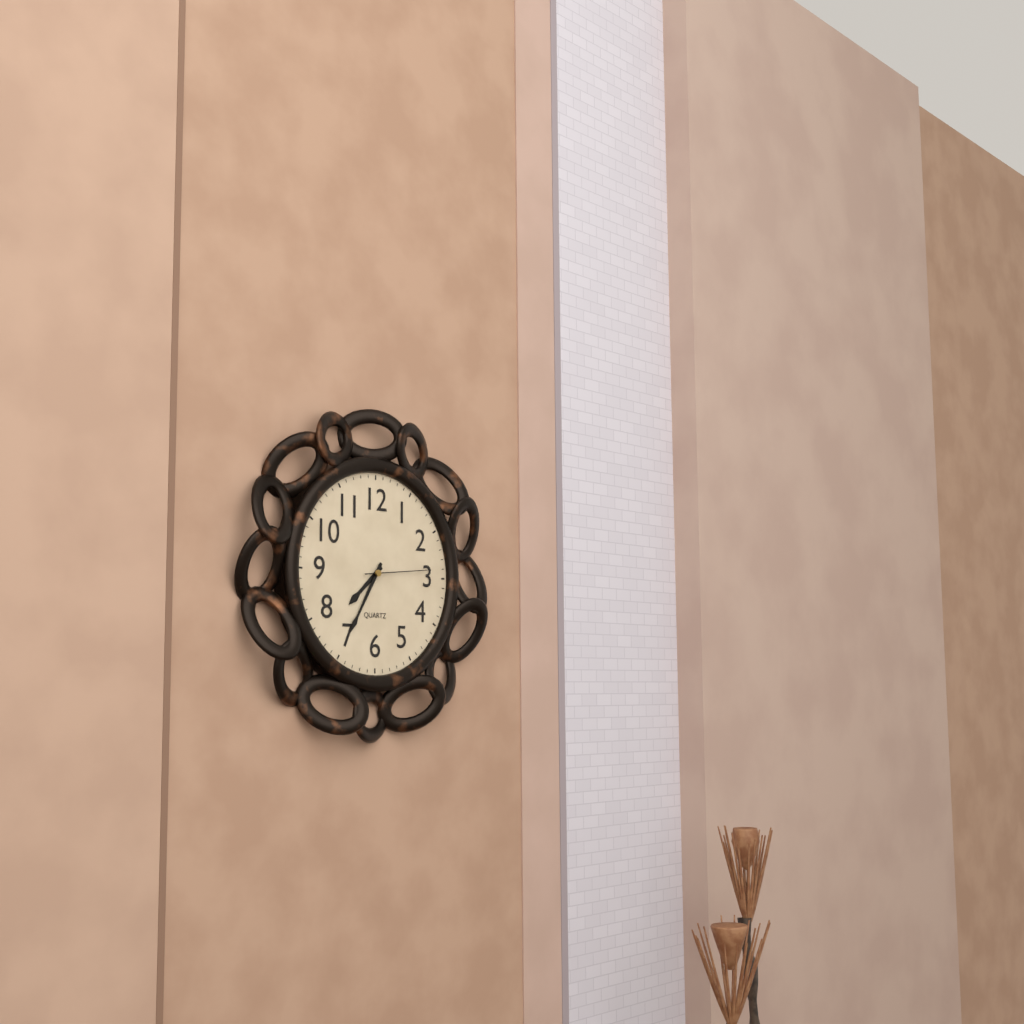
{"hour": 7, "minute": 35, "second": 14}
